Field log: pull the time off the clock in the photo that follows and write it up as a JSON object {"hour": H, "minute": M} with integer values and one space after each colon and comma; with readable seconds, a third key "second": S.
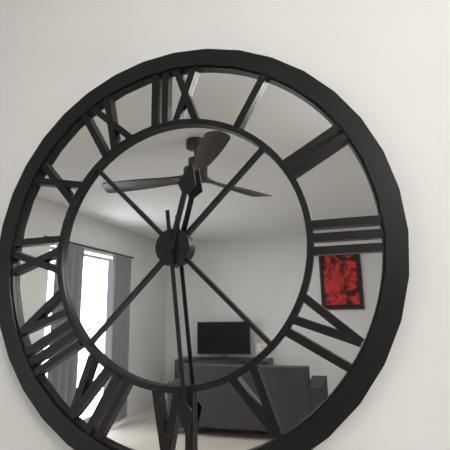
{"hour": 12, "minute": 29}
